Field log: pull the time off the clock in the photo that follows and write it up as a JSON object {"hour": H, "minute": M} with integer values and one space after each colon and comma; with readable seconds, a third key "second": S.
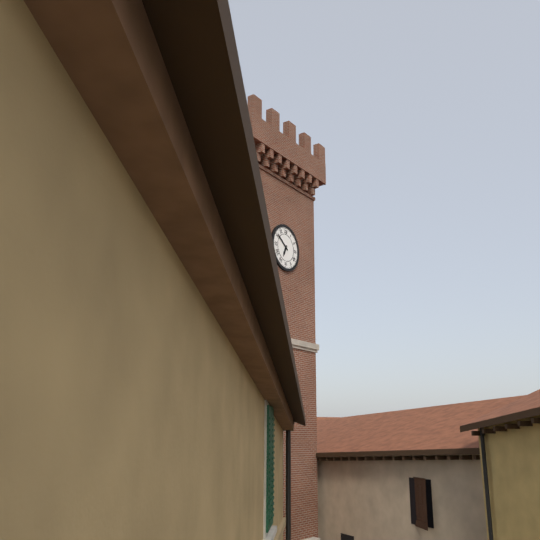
{"hour": 6, "minute": 51}
